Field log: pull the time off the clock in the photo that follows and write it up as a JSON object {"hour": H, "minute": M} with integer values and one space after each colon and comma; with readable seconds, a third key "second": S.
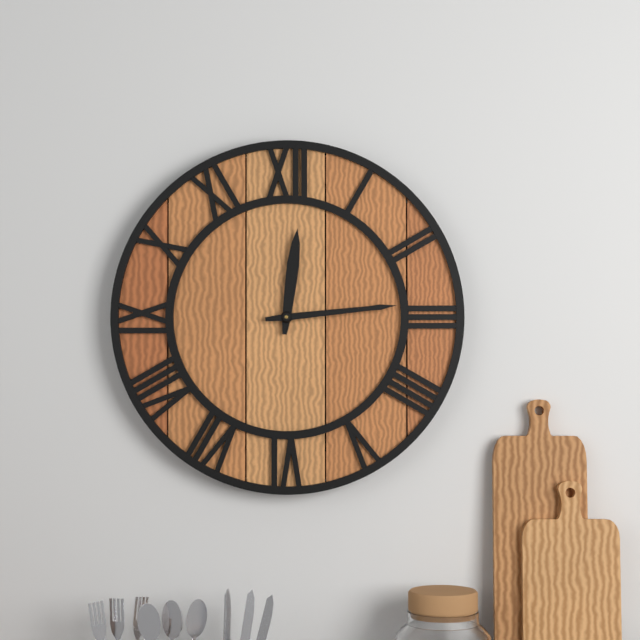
{"hour": 12, "minute": 14}
